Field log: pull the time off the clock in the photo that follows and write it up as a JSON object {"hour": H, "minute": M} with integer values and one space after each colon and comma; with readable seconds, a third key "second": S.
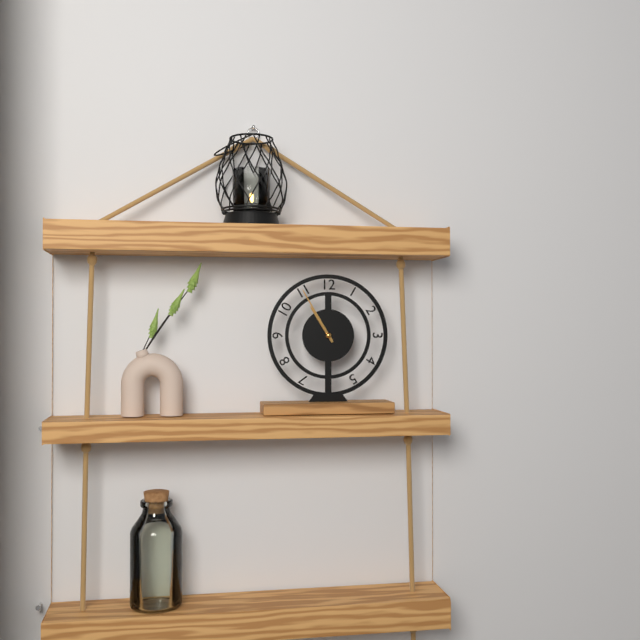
{"hour": 10, "minute": 55}
